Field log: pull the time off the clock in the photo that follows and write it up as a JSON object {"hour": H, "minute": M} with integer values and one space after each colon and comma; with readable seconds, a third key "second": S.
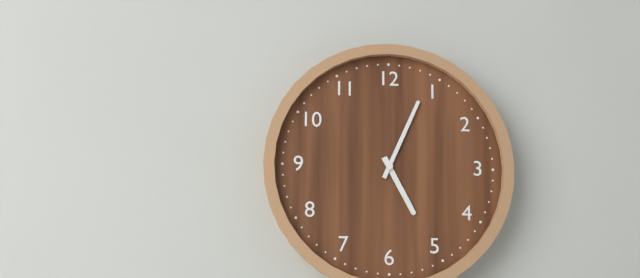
{"hour": 5, "minute": 4}
